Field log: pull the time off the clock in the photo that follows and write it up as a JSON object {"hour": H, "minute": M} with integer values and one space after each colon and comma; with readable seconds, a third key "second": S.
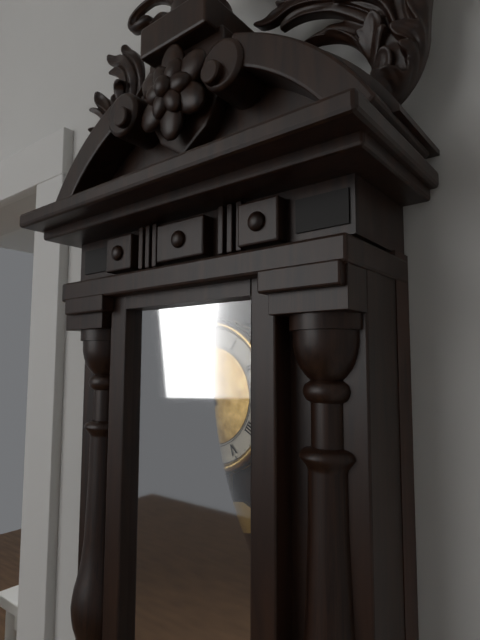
{"hour": 11, "minute": 54}
